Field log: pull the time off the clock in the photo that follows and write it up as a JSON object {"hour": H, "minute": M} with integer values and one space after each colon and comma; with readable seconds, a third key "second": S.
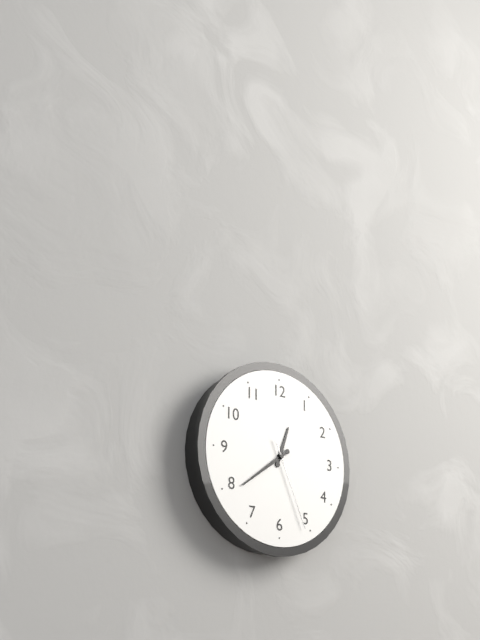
{"hour": 12, "minute": 39, "second": 26}
